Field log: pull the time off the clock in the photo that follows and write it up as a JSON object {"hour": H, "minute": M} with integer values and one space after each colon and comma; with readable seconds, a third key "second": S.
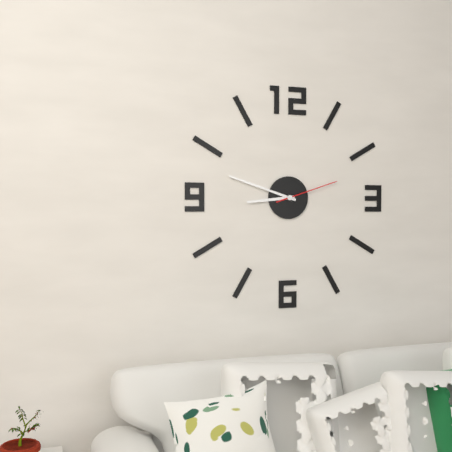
{"hour": 8, "minute": 48, "second": 12}
